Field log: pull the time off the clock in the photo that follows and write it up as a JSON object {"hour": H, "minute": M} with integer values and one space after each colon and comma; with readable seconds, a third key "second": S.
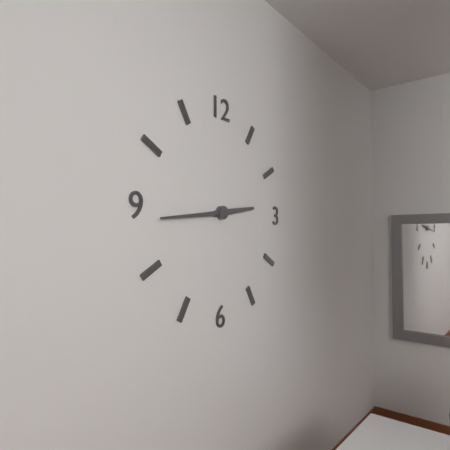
{"hour": 2, "minute": 44}
